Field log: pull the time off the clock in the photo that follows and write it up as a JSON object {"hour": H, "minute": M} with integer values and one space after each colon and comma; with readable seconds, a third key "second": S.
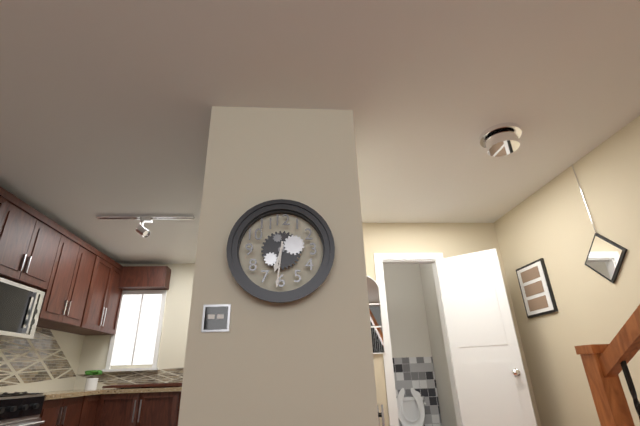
{"hour": 6, "minute": 31}
